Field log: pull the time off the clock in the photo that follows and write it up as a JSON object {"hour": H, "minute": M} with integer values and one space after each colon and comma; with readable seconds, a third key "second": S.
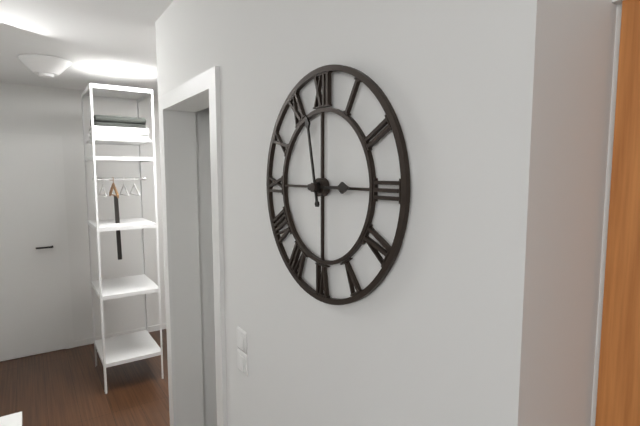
{"hour": 2, "minute": 58}
